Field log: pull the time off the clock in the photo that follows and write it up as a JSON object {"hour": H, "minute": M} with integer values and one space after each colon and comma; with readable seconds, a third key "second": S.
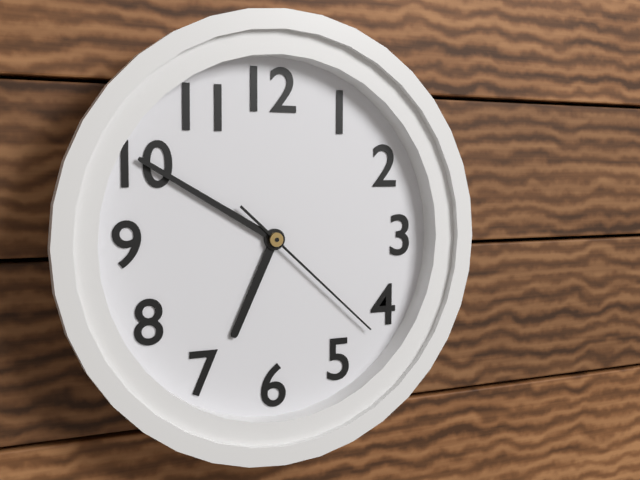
{"hour": 6, "minute": 50, "second": 22}
